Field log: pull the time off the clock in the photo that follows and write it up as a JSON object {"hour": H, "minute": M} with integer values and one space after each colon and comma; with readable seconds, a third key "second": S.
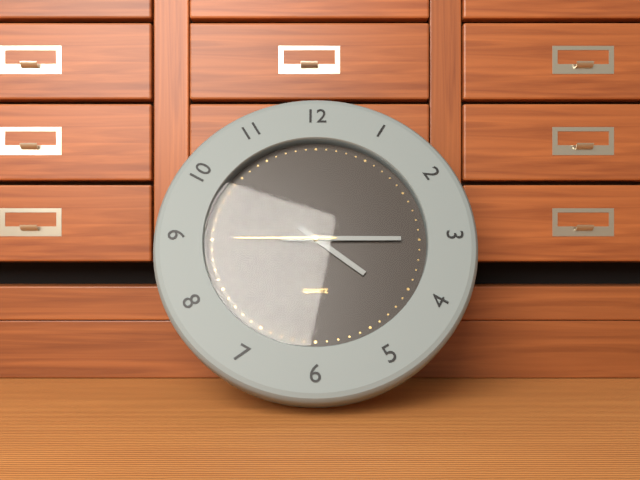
{"hour": 4, "minute": 15, "second": 45}
